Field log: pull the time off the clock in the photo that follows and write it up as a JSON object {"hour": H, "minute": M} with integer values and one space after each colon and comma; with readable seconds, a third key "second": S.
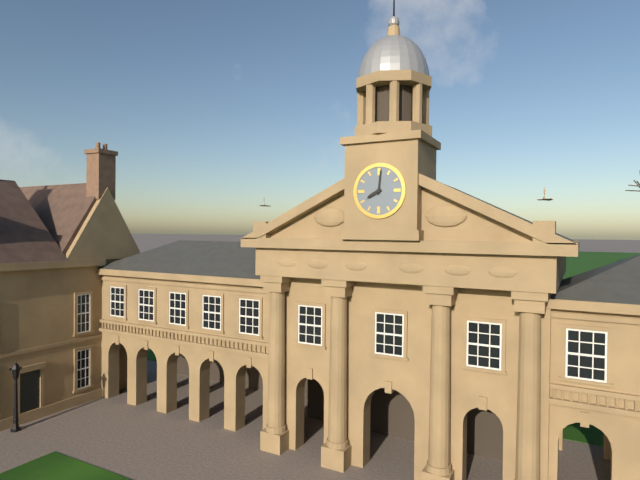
{"hour": 8, "minute": 1}
